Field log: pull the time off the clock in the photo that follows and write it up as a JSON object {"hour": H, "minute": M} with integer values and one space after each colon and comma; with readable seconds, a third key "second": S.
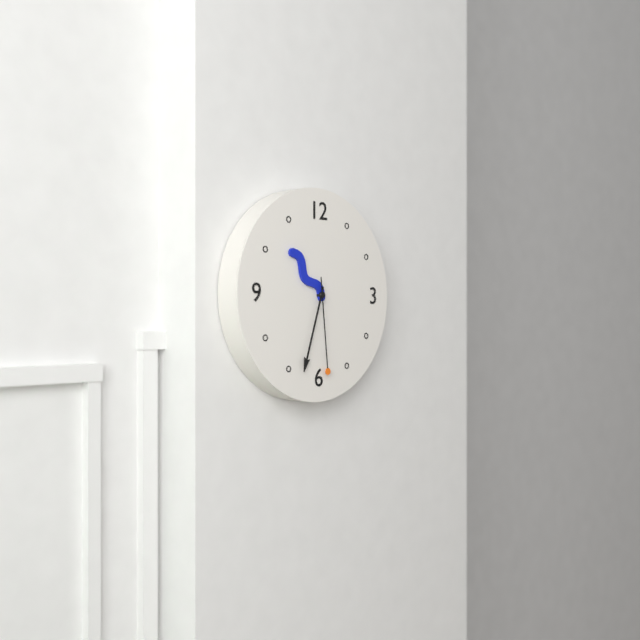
{"hour": 10, "minute": 33, "second": 29}
